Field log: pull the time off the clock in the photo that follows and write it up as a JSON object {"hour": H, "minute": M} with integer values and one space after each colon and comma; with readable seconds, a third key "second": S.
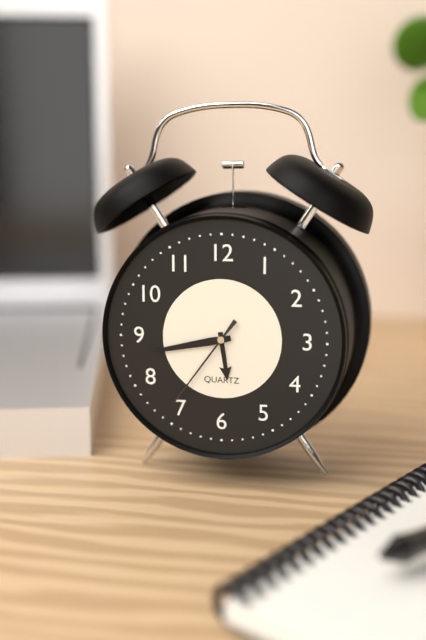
{"hour": 5, "minute": 43, "second": 36}
